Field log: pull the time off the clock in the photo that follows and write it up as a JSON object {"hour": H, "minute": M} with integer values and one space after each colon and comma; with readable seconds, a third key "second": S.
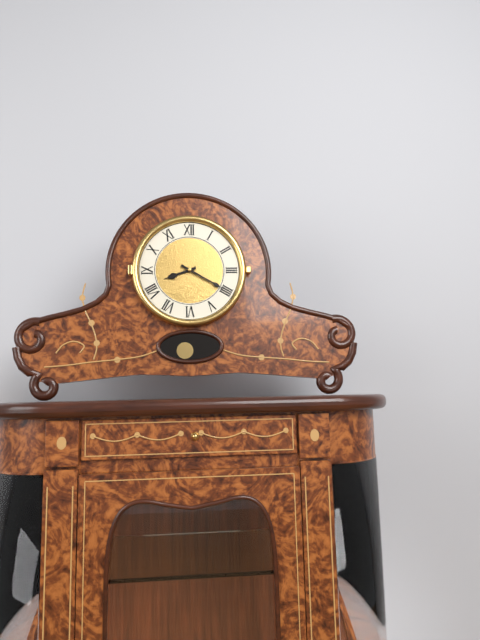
{"hour": 8, "minute": 20}
